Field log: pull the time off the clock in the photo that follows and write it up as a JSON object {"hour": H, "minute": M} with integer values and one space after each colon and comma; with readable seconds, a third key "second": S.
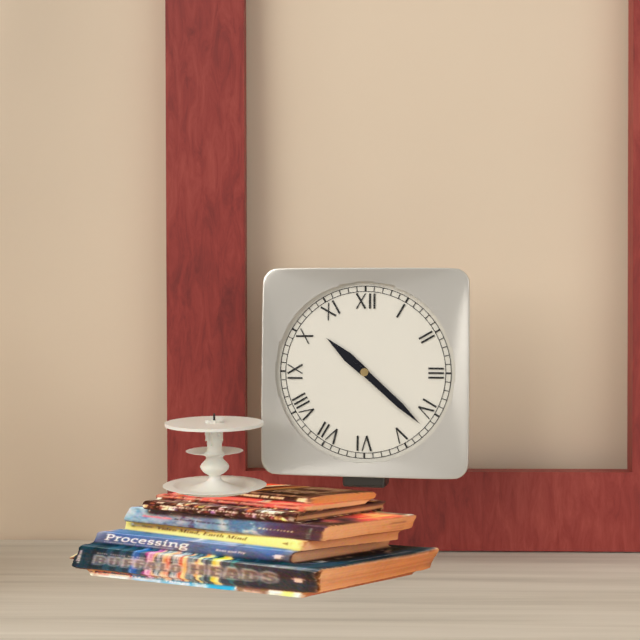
{"hour": 10, "minute": 22}
